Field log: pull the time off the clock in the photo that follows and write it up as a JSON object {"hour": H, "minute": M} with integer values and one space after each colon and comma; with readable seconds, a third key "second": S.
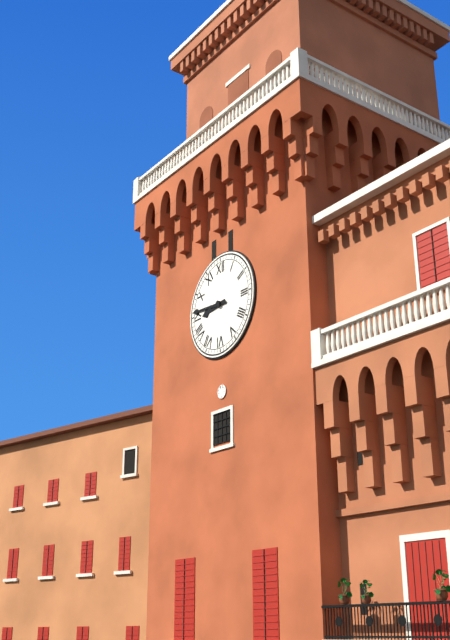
{"hour": 8, "minute": 46}
